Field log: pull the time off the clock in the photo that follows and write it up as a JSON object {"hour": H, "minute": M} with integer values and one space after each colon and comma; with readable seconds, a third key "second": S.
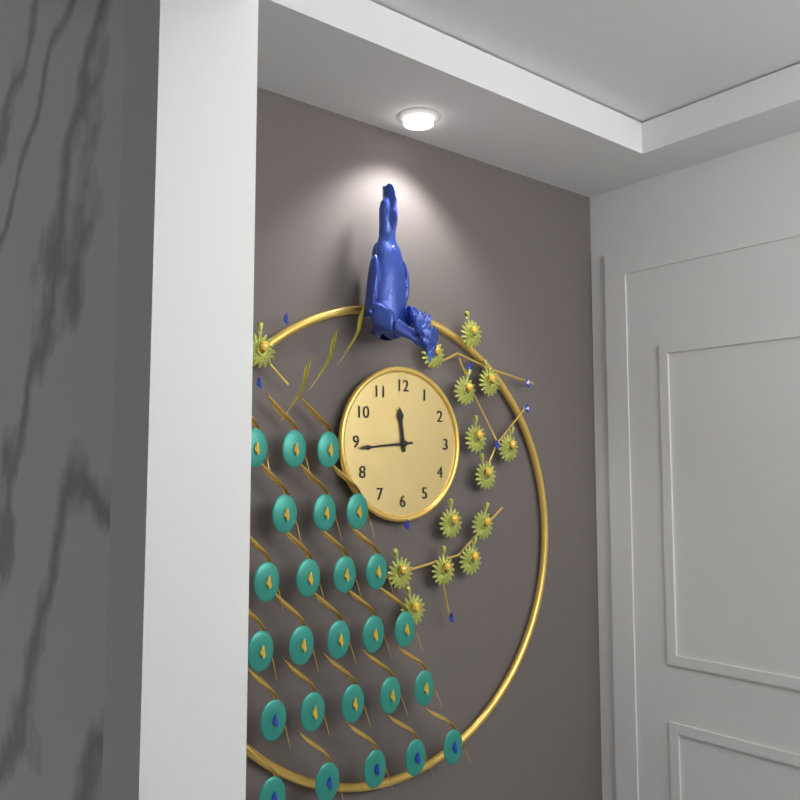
{"hour": 11, "minute": 44}
